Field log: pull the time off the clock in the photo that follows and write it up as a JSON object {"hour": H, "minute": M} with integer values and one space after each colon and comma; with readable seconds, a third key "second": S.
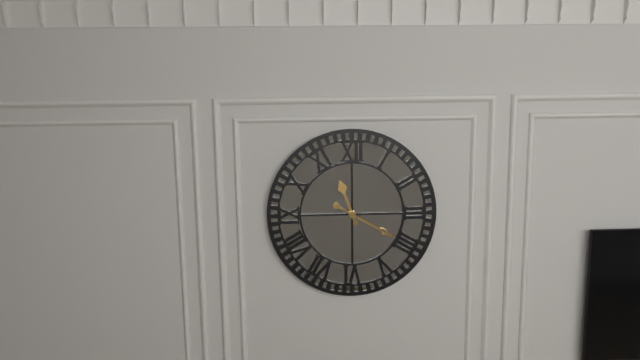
{"hour": 11, "minute": 20}
